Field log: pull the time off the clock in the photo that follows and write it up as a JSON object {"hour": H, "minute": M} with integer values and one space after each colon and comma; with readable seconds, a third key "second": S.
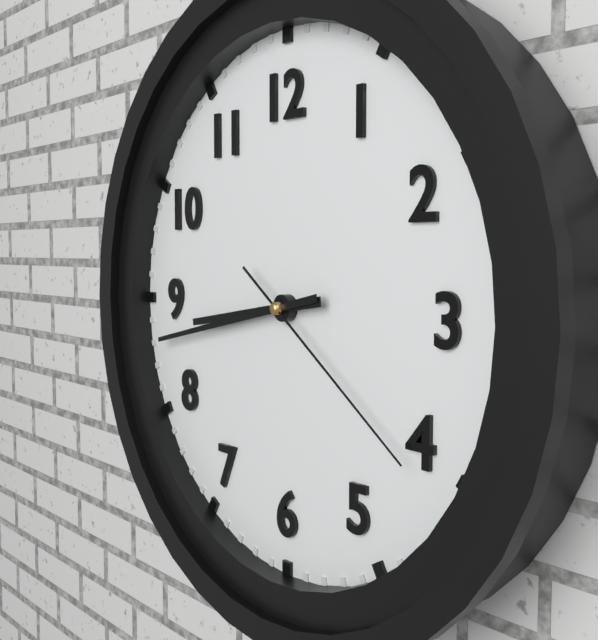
{"hour": 8, "minute": 43, "second": 21}
